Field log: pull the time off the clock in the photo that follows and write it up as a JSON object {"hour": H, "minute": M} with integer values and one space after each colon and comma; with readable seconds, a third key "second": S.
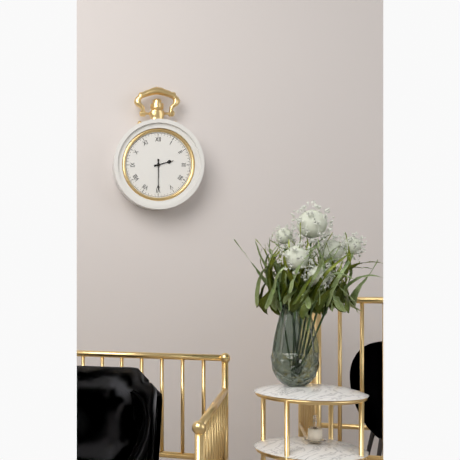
{"hour": 2, "minute": 30}
